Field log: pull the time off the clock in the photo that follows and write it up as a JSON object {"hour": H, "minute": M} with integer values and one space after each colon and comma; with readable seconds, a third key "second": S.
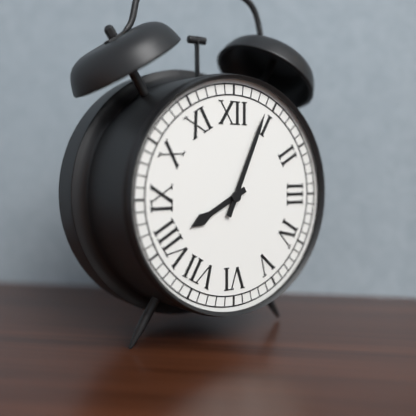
{"hour": 8, "minute": 4}
